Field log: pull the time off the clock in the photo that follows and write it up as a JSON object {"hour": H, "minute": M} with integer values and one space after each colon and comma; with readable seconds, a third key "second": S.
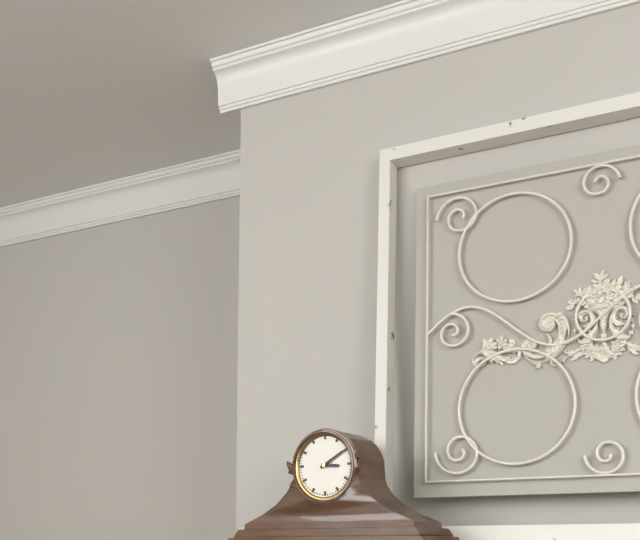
{"hour": 3, "minute": 10}
